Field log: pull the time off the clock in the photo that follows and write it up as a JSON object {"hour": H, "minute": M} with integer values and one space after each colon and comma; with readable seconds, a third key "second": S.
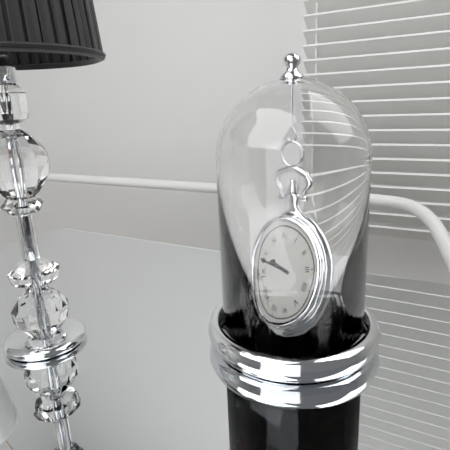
{"hour": 9, "minute": 48}
